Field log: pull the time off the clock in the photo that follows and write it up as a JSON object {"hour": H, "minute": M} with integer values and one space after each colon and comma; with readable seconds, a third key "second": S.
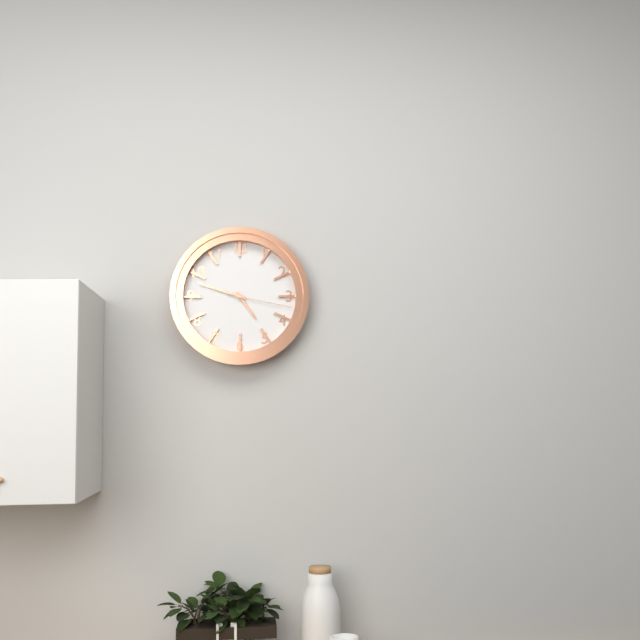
{"hour": 4, "minute": 48, "second": 17}
